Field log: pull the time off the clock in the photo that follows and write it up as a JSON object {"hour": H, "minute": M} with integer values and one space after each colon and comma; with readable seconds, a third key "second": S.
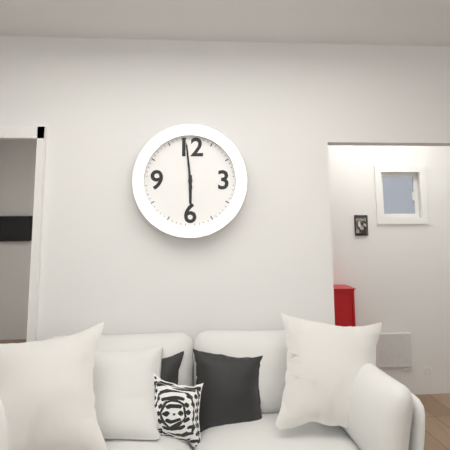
{"hour": 5, "minute": 59}
